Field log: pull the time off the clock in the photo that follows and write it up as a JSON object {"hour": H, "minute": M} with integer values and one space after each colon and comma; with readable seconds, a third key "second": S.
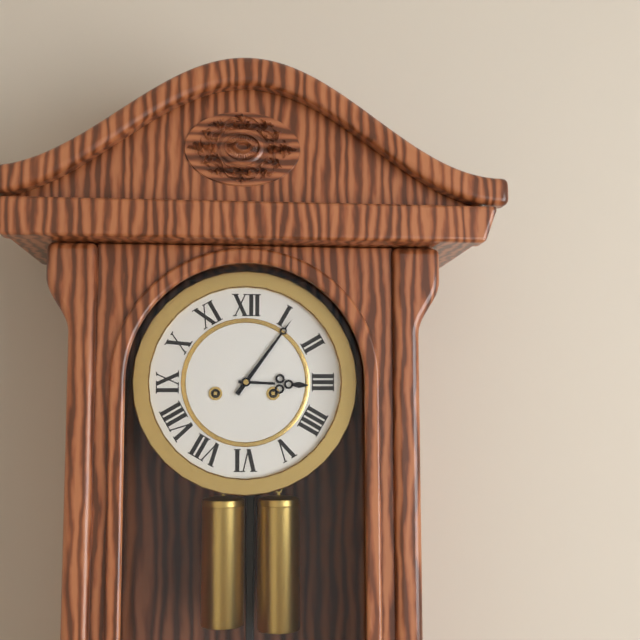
{"hour": 3, "minute": 6}
